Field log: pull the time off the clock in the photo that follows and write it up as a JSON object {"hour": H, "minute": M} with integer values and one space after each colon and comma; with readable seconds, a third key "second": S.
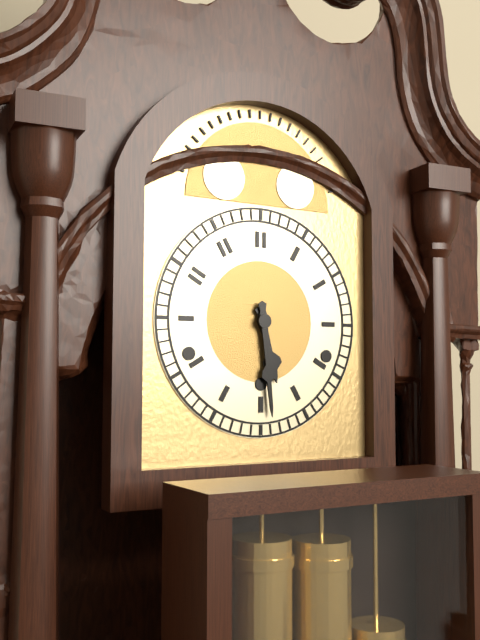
{"hour": 5, "minute": 29}
